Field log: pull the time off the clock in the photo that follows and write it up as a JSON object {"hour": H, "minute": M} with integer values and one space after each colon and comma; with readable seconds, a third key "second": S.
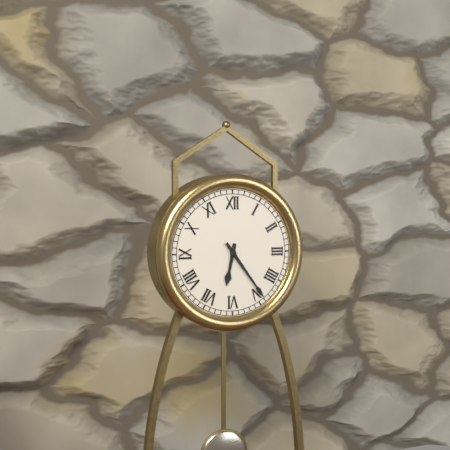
{"hour": 6, "minute": 24}
